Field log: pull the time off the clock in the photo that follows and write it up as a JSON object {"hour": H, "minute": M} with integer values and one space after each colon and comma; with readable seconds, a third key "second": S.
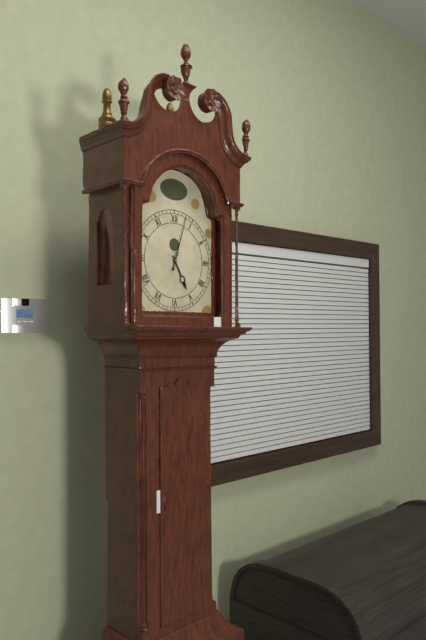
{"hour": 5, "minute": 3}
